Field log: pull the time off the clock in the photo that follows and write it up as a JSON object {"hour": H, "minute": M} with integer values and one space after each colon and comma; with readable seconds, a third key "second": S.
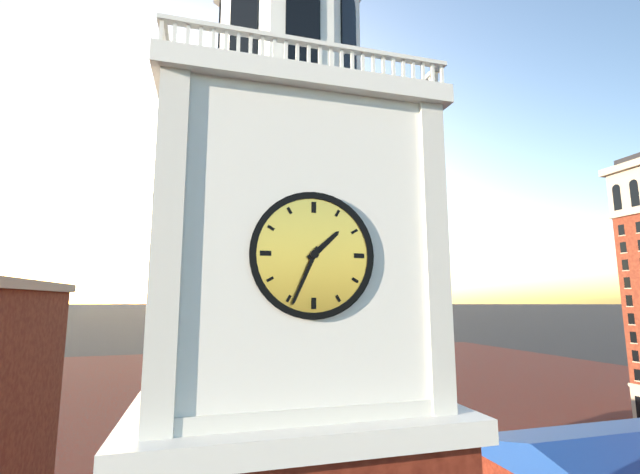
{"hour": 1, "minute": 34}
